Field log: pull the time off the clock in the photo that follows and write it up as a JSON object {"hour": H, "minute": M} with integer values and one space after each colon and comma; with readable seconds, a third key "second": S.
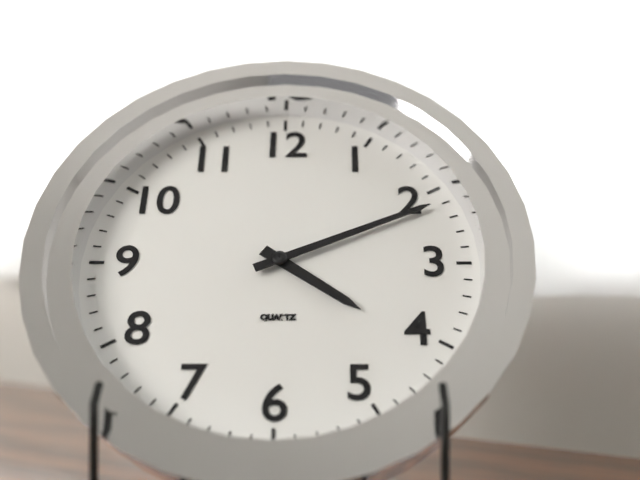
{"hour": 4, "minute": 11}
